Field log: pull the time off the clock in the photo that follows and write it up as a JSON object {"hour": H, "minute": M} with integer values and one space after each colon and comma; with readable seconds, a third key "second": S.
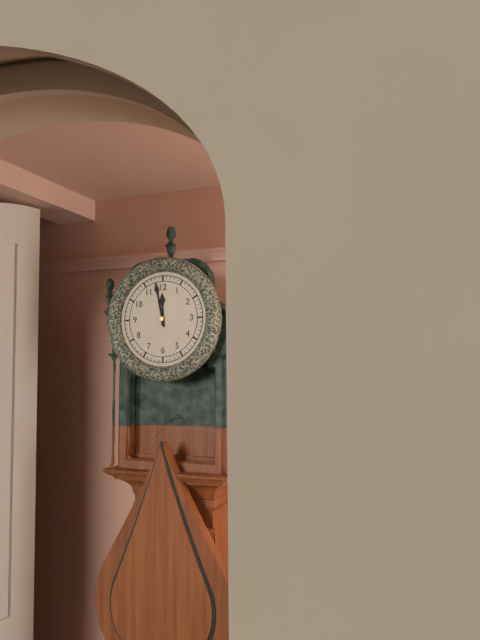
{"hour": 11, "minute": 58}
